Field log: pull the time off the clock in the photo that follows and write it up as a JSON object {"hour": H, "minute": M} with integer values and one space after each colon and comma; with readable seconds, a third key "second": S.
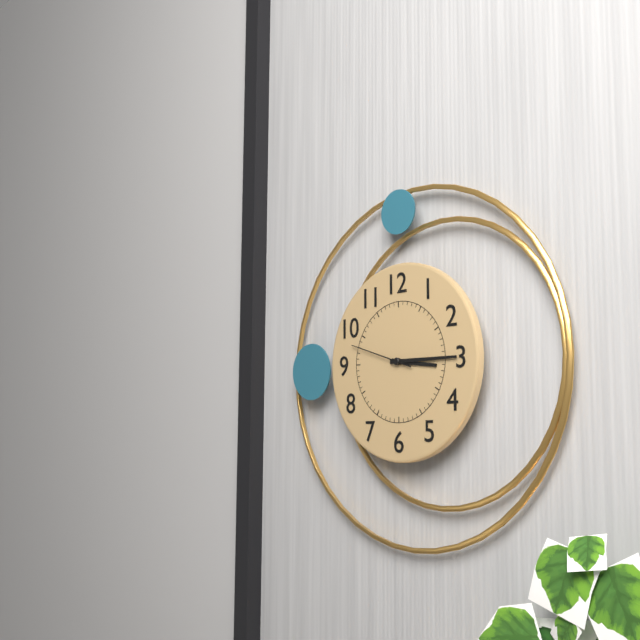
{"hour": 3, "minute": 15, "second": 48}
